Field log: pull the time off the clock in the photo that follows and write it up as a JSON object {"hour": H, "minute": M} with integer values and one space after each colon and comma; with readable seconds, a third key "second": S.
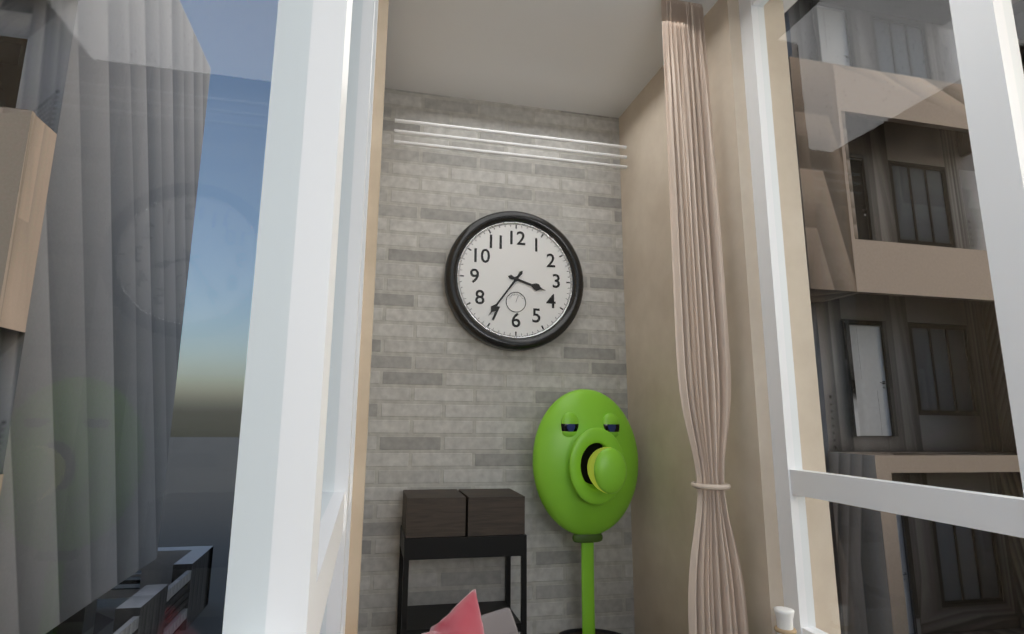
{"hour": 3, "minute": 36}
